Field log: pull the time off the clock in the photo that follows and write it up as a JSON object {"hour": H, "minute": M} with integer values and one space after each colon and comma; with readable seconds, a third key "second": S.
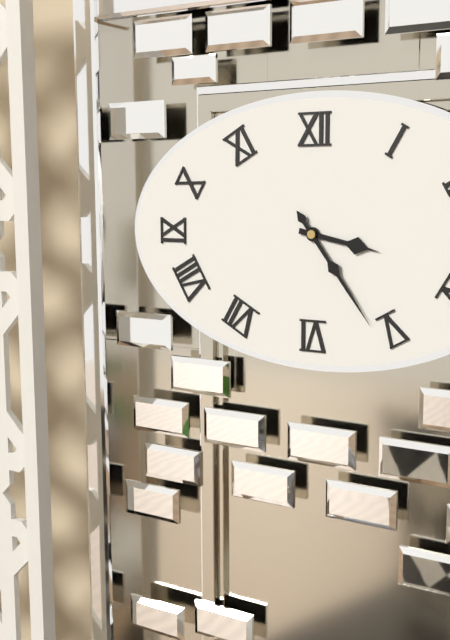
{"hour": 3, "minute": 24}
